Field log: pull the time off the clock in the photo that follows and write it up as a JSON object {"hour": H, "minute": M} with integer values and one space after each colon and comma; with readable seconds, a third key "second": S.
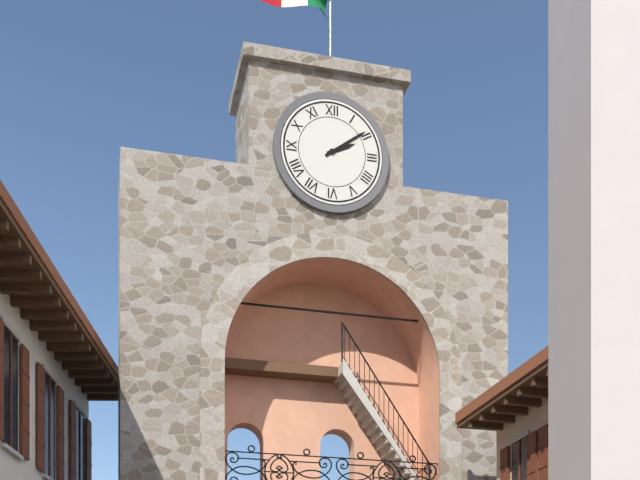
{"hour": 2, "minute": 9}
